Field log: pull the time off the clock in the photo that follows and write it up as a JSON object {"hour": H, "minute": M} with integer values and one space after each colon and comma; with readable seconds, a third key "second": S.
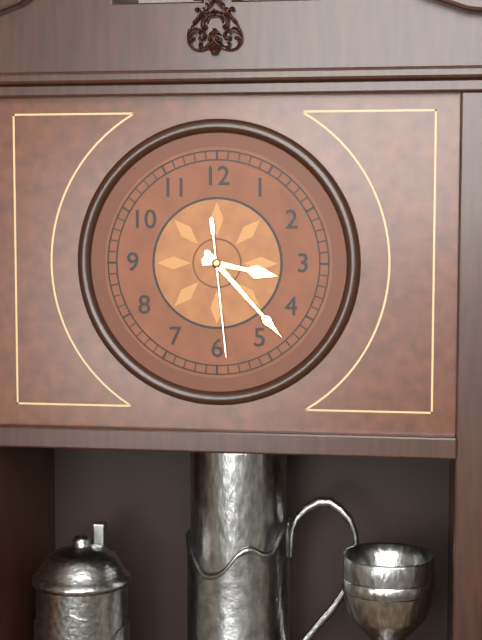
{"hour": 3, "minute": 23, "second": 29}
